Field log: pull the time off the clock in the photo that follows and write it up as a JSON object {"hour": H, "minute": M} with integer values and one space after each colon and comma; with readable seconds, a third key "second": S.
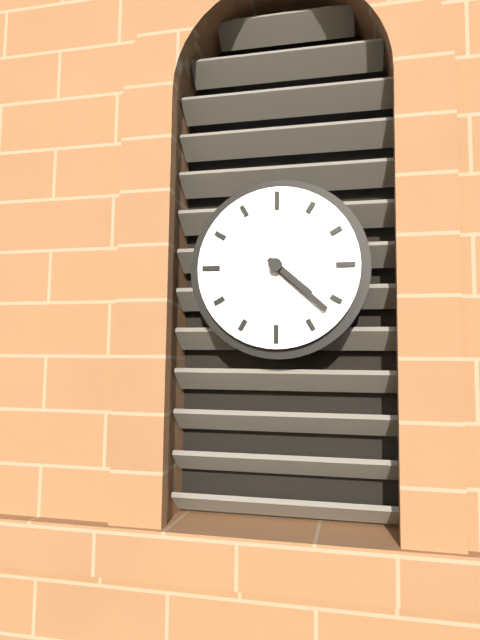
{"hour": 4, "minute": 22}
